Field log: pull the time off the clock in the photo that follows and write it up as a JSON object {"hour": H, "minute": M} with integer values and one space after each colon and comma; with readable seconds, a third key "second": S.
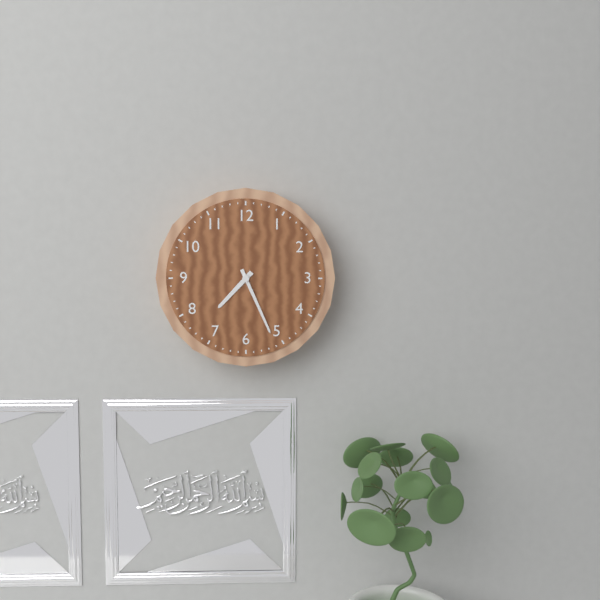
{"hour": 7, "minute": 26}
